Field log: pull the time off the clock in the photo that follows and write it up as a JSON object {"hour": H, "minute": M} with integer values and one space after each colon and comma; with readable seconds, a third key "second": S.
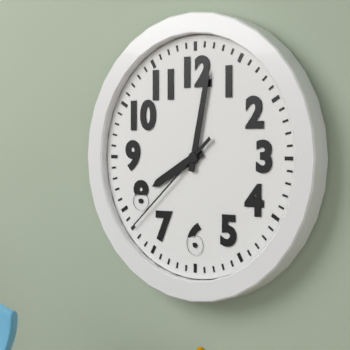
{"hour": 8, "minute": 2, "second": 38}
